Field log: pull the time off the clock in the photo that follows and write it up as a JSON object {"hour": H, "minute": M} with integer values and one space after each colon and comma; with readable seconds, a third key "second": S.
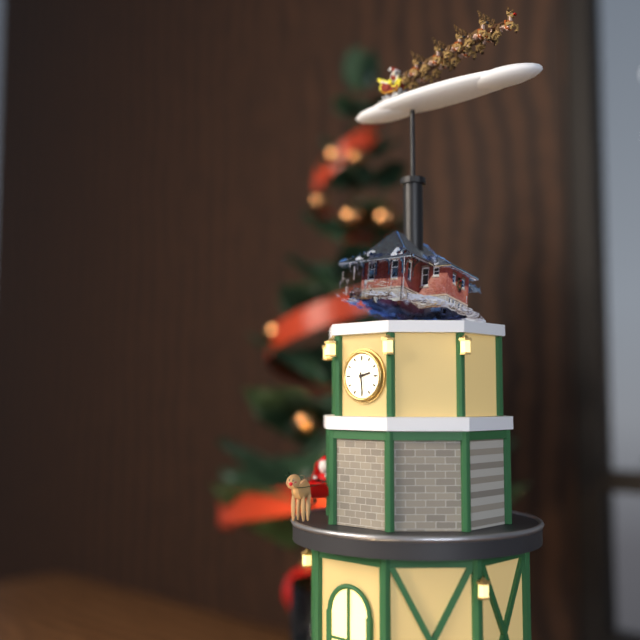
{"hour": 2, "minute": 29}
